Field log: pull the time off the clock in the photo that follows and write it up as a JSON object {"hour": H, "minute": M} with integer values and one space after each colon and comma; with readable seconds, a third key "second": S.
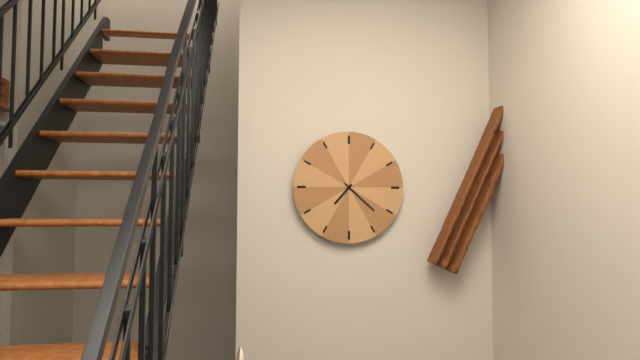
{"hour": 7, "minute": 22}
